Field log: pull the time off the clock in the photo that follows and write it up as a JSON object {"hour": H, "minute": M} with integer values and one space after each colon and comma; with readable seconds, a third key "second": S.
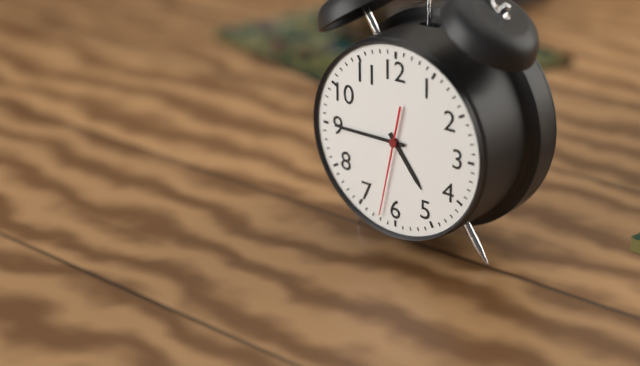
{"hour": 4, "minute": 45, "second": 32}
